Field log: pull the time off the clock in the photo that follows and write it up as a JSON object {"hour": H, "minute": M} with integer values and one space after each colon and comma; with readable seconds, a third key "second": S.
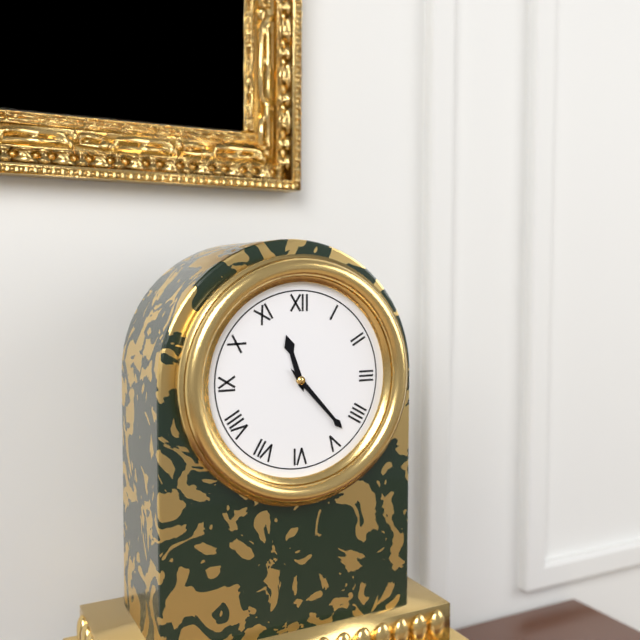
{"hour": 11, "minute": 23}
